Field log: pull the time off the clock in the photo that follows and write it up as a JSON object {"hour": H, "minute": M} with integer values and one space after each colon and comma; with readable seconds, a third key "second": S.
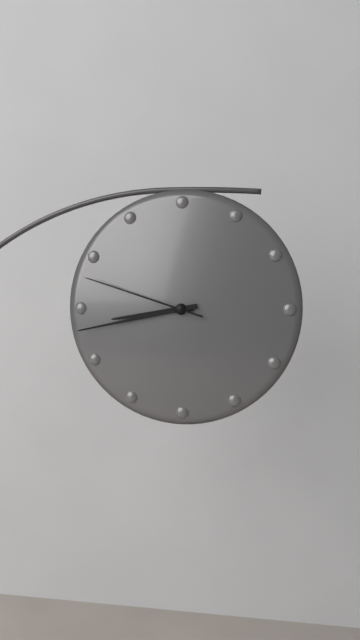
{"hour": 8, "minute": 43, "second": 48}
